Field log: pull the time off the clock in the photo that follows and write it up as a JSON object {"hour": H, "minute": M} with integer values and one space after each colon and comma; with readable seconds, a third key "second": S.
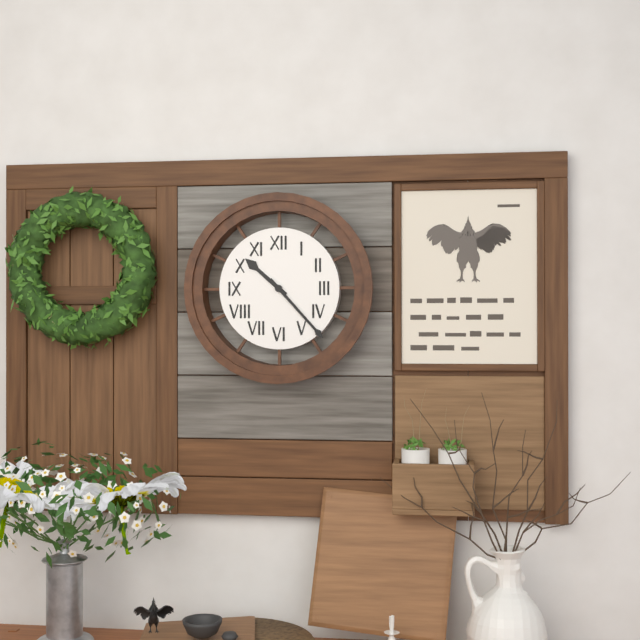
{"hour": 10, "minute": 23}
